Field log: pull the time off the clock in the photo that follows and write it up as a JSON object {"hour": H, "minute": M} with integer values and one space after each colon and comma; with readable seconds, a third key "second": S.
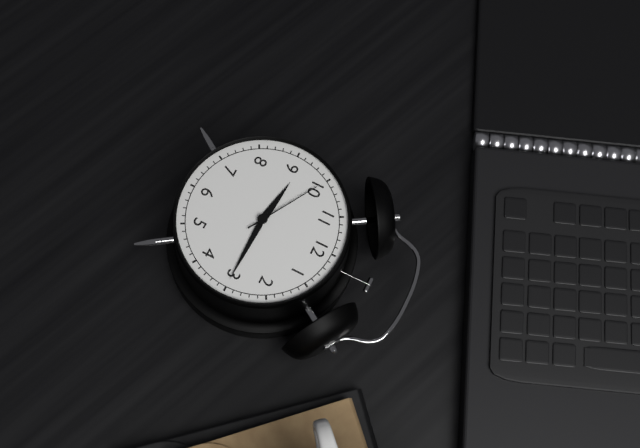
{"hour": 9, "minute": 15, "second": 50}
